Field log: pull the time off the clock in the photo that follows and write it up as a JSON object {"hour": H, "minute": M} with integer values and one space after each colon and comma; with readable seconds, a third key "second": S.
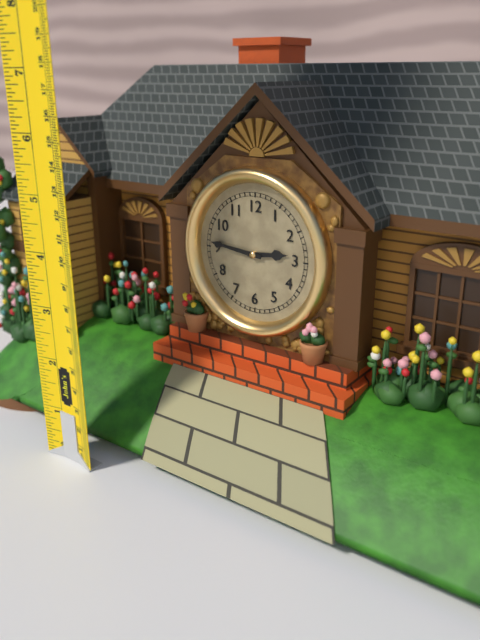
{"hour": 2, "minute": 46}
